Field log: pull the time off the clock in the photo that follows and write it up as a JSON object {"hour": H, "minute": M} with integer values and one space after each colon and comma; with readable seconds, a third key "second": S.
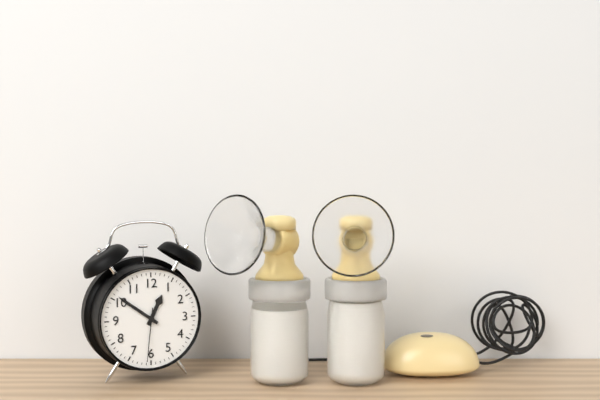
{"hour": 12, "minute": 51, "second": 31}
